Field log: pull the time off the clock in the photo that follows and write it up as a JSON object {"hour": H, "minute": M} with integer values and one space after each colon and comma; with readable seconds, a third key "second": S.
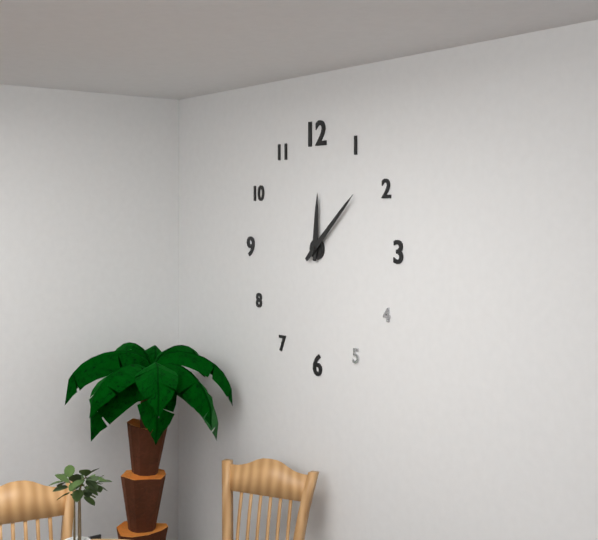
{"hour": 12, "minute": 8}
